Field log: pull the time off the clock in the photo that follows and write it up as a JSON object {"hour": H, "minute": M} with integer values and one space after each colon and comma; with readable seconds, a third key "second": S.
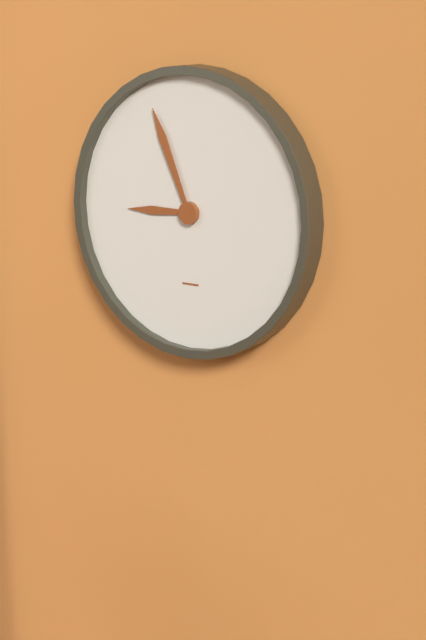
{"hour": 8, "minute": 56}
